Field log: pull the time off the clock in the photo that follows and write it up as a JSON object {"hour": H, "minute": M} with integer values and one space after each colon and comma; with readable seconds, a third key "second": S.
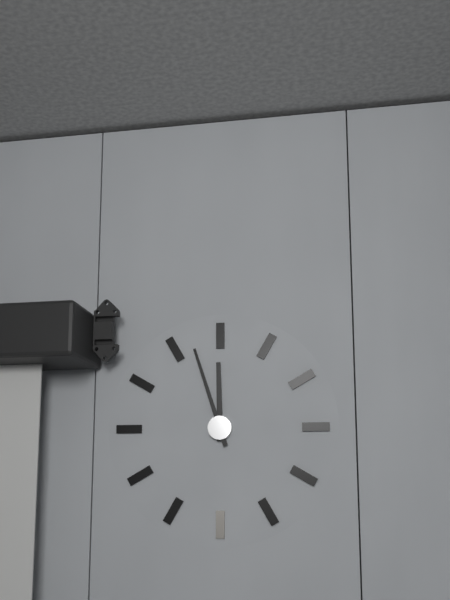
{"hour": 11, "minute": 57}
